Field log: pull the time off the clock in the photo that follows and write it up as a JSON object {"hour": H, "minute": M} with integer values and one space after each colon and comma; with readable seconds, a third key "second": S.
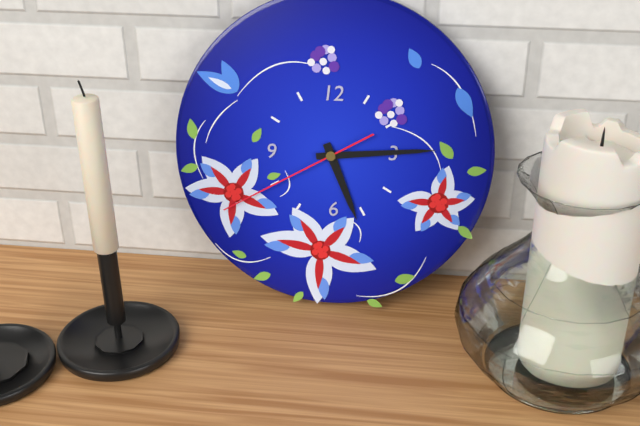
{"hour": 5, "minute": 14, "second": 40}
